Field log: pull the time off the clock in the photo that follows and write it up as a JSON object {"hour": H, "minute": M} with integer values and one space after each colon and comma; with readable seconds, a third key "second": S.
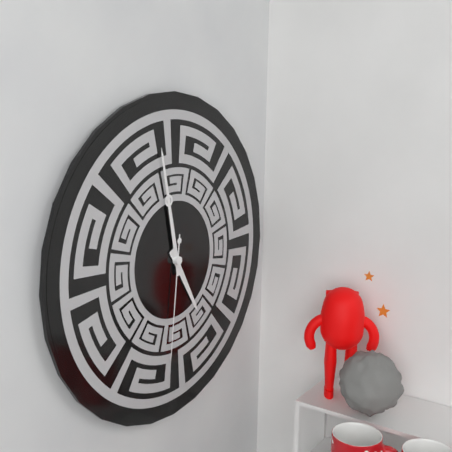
{"hour": 4, "minute": 58, "second": 31}
